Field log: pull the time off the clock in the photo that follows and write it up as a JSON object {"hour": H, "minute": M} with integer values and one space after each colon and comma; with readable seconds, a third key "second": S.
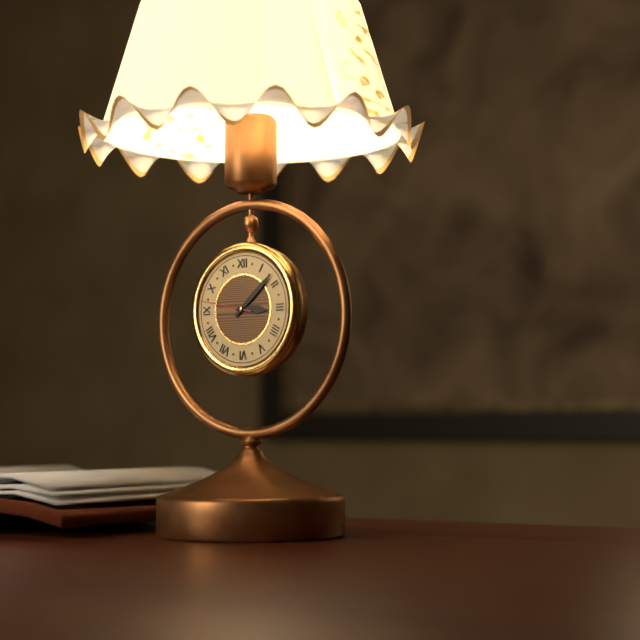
{"hour": 3, "minute": 8, "second": 47}
